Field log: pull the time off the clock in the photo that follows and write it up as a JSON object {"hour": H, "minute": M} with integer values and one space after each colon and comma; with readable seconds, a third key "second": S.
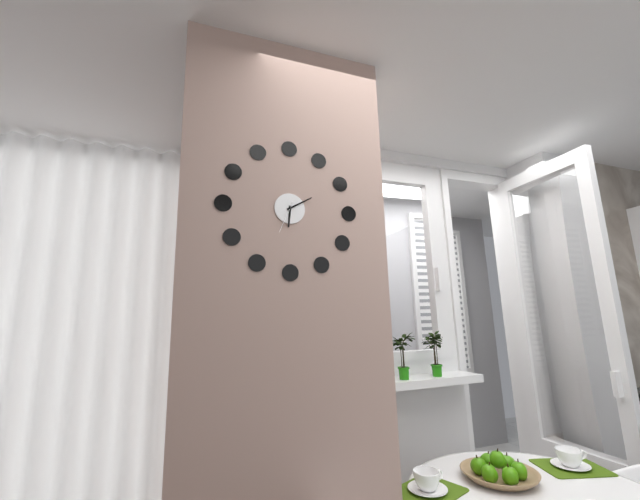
{"hour": 6, "minute": 10}
